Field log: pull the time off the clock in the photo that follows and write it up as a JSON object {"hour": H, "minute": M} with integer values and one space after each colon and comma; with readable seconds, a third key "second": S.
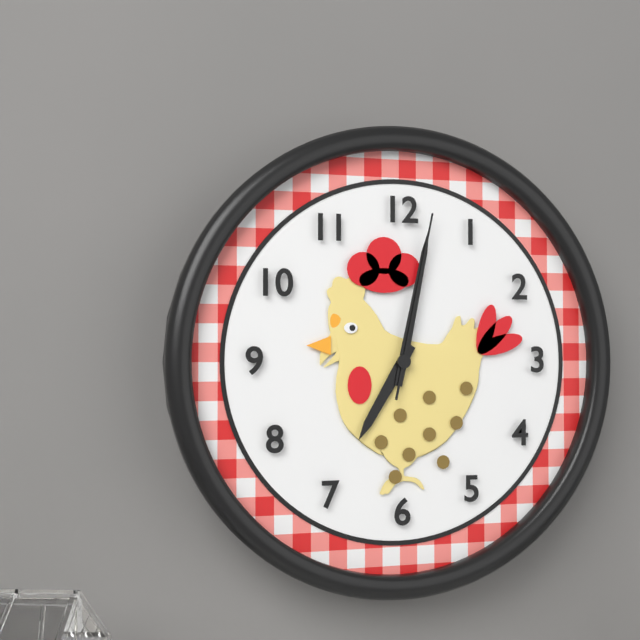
{"hour": 7, "minute": 2, "second": 2}
